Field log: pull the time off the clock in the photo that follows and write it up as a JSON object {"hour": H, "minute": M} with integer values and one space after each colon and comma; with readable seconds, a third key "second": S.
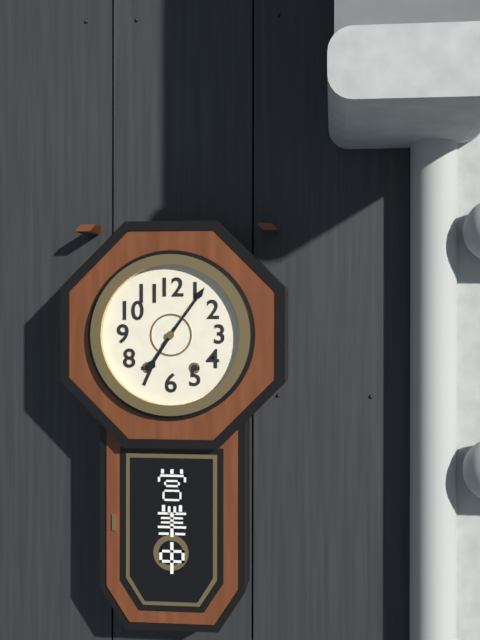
{"hour": 7, "minute": 6}
